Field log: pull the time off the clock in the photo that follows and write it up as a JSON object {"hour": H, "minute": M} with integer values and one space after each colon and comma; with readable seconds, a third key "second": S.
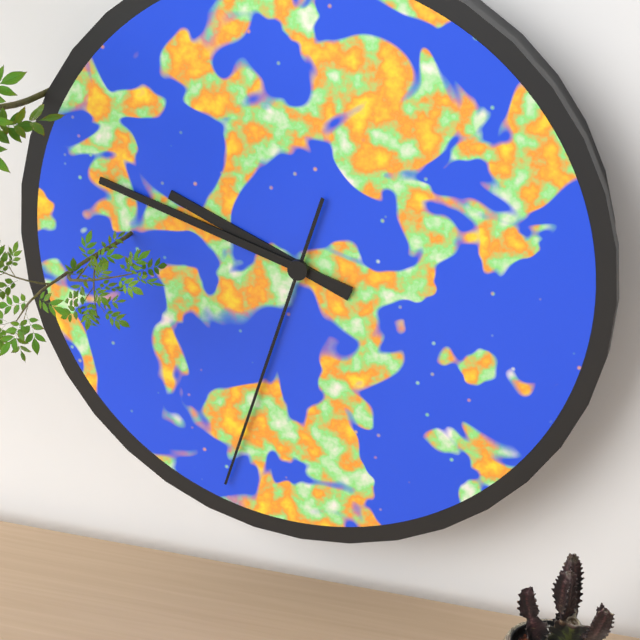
{"hour": 9, "minute": 48, "second": 33}
